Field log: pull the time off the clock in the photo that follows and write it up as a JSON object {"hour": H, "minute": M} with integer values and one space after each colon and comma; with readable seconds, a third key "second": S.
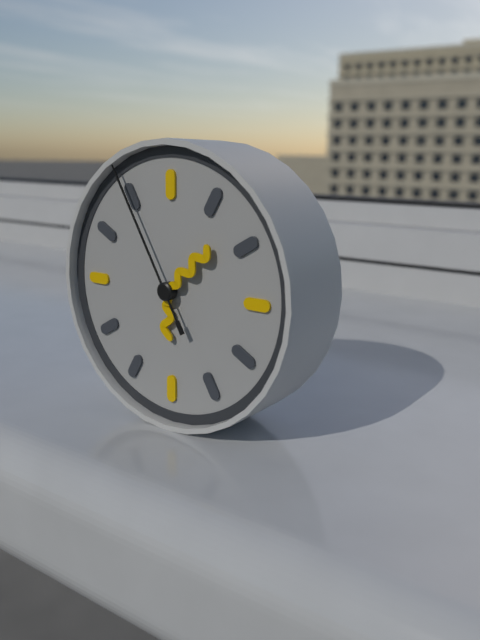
{"hour": 6, "minute": 8, "second": 55}
